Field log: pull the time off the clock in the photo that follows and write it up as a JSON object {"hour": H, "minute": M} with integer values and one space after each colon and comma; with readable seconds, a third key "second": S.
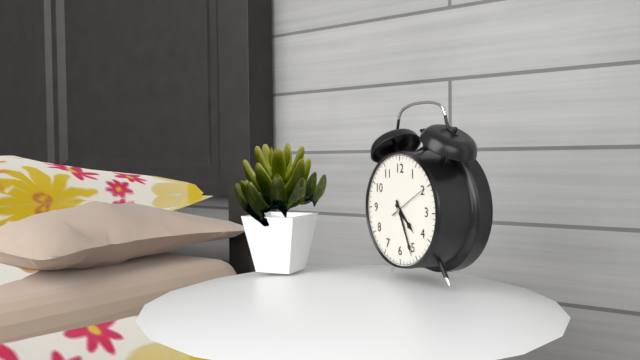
{"hour": 4, "minute": 26}
